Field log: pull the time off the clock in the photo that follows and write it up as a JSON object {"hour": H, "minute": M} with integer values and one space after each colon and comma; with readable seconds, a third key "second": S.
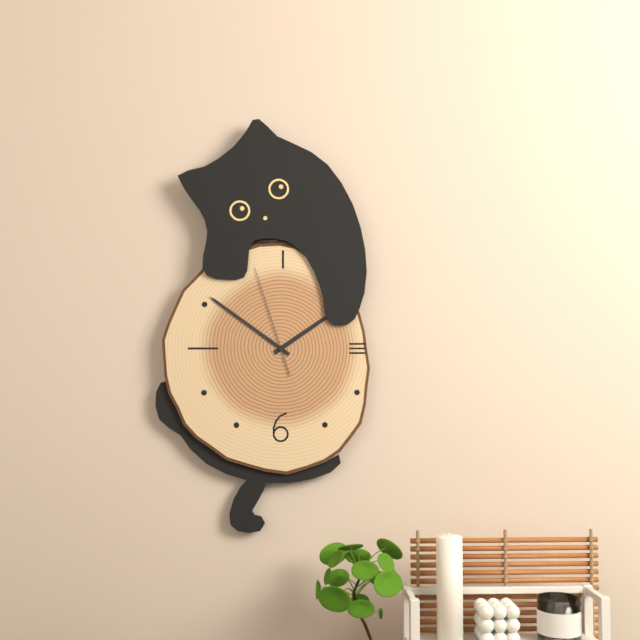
{"hour": 1, "minute": 51, "second": 57}
